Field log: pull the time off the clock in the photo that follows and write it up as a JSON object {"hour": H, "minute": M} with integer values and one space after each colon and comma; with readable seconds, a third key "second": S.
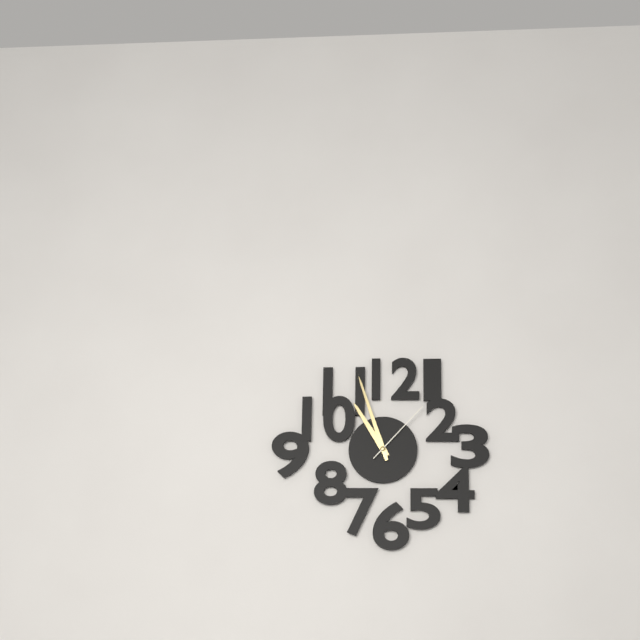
{"hour": 10, "minute": 57, "second": 7}
